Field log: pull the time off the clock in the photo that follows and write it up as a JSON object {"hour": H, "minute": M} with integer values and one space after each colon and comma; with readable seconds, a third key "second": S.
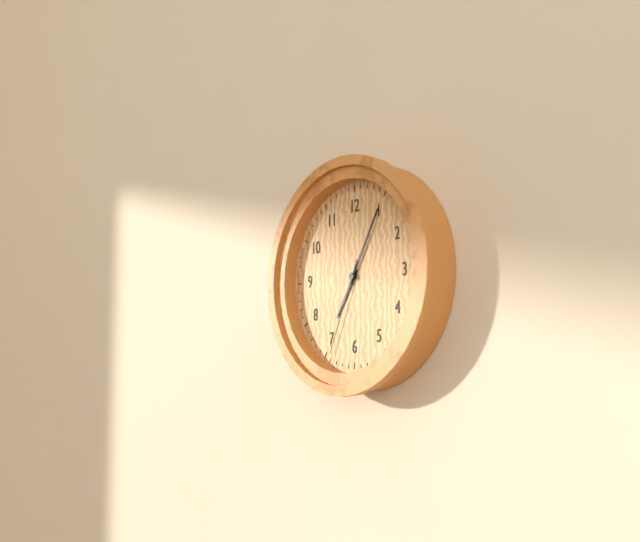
{"hour": 7, "minute": 5, "second": 34}
